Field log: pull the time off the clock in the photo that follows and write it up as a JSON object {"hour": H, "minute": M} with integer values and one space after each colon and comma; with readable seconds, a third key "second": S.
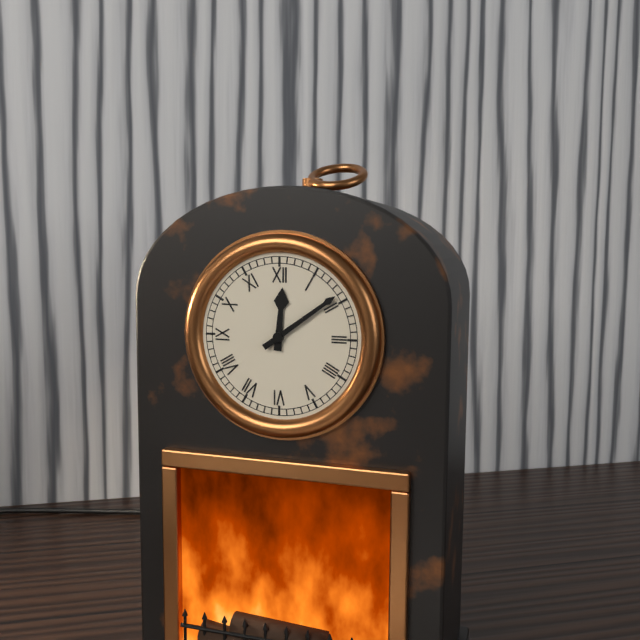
{"hour": 12, "minute": 9}
